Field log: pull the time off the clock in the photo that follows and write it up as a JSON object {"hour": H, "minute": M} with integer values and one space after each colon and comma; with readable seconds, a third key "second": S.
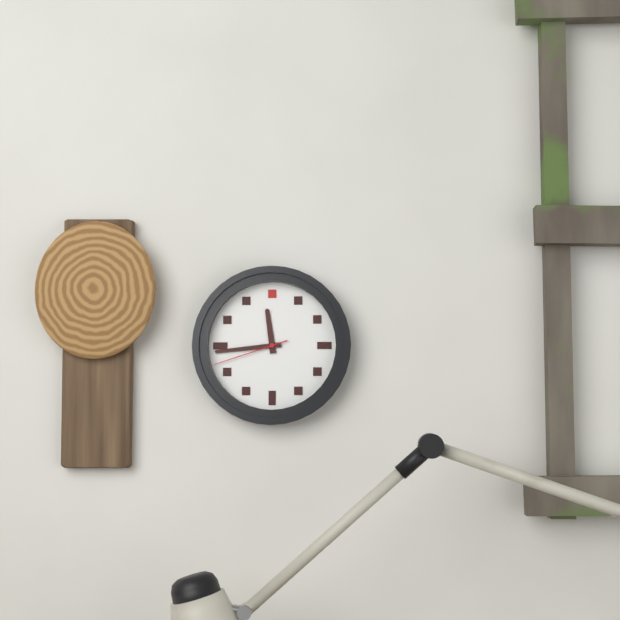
{"hour": 11, "minute": 44, "second": 42}
